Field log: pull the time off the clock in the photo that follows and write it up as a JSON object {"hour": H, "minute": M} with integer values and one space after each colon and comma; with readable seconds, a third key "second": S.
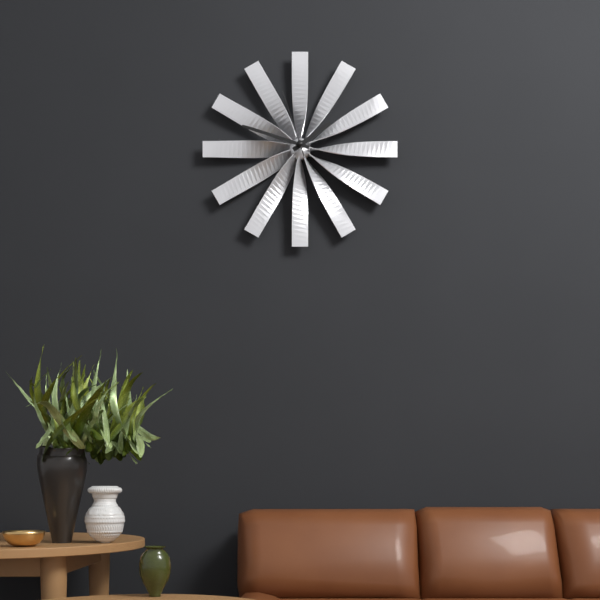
{"hour": 1, "minute": 48, "second": 57}
